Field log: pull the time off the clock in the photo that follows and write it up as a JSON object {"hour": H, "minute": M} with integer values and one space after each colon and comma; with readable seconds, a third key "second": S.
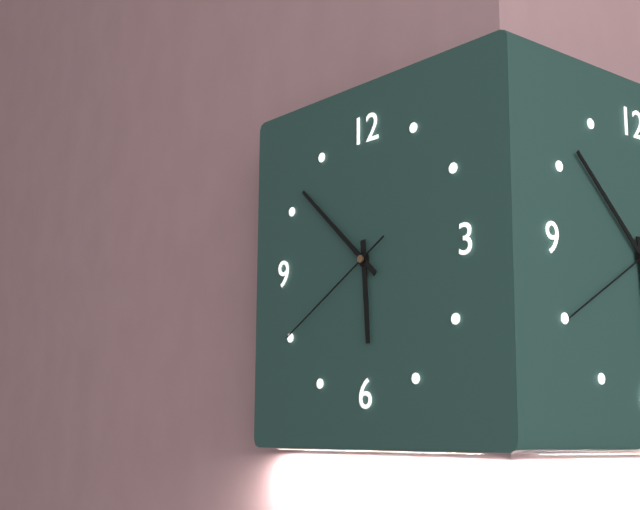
{"hour": 5, "minute": 52, "second": 40}
